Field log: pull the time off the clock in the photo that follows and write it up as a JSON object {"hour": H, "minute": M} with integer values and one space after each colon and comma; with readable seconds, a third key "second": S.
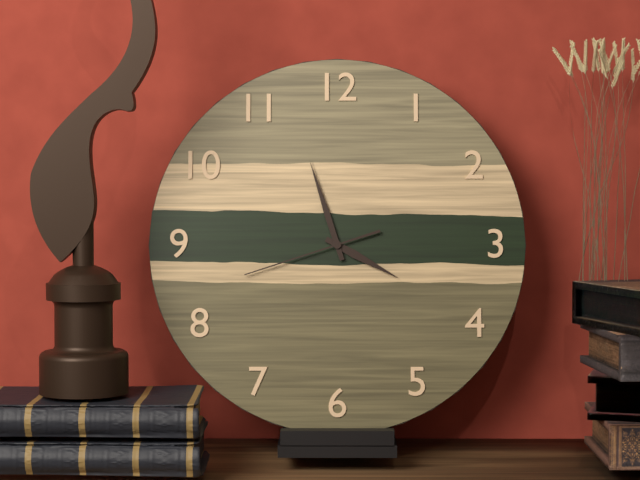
{"hour": 3, "minute": 57, "second": 42}
